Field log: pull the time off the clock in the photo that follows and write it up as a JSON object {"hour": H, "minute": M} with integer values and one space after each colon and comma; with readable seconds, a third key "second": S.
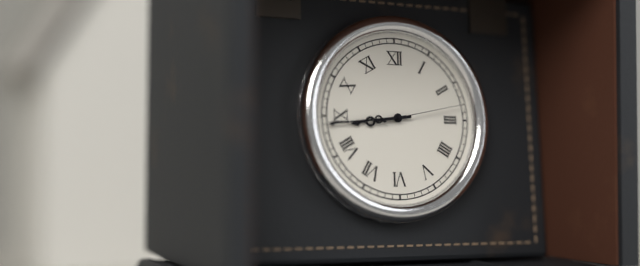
{"hour": 8, "minute": 44, "second": 13}
